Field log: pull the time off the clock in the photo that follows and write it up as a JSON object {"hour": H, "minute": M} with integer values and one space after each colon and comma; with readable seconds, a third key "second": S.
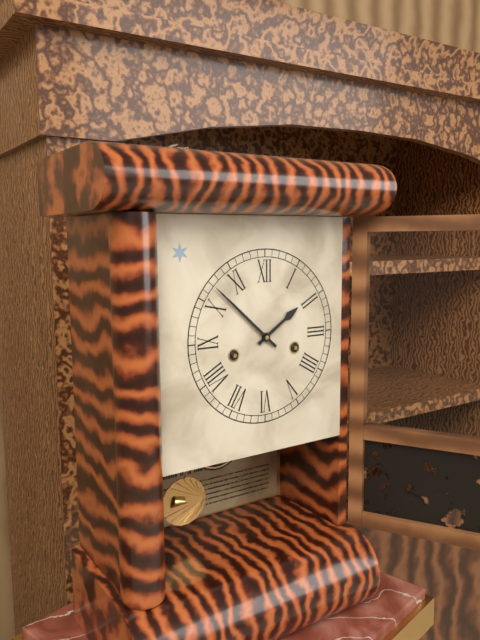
{"hour": 1, "minute": 52}
